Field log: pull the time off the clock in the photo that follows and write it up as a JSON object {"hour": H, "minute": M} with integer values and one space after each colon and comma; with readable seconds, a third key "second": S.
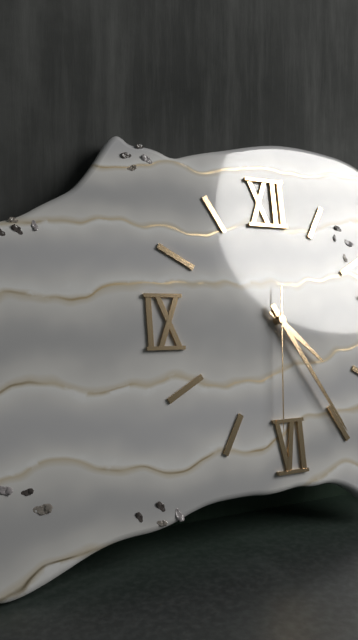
{"hour": 4, "minute": 25, "second": 31}
